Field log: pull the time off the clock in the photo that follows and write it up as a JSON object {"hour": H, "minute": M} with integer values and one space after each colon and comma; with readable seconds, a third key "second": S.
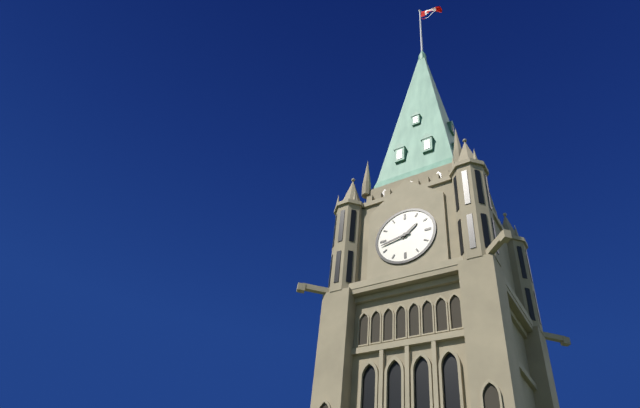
{"hour": 1, "minute": 43}
